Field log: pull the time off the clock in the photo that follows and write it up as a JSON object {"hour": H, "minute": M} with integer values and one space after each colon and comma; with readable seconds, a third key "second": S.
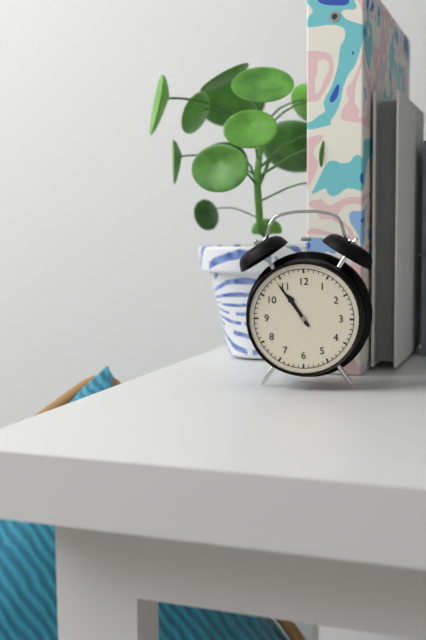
{"hour": 10, "minute": 54}
